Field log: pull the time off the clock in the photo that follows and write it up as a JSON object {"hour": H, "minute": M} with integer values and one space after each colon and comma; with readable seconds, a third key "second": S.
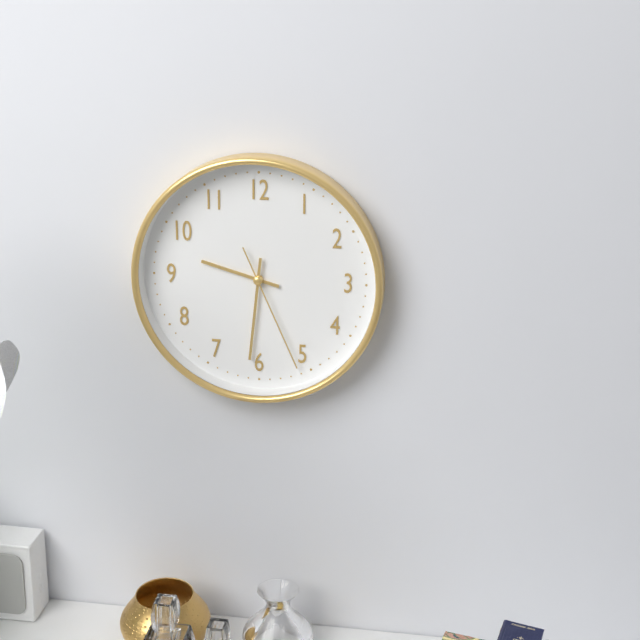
{"hour": 9, "minute": 31, "second": 26}
